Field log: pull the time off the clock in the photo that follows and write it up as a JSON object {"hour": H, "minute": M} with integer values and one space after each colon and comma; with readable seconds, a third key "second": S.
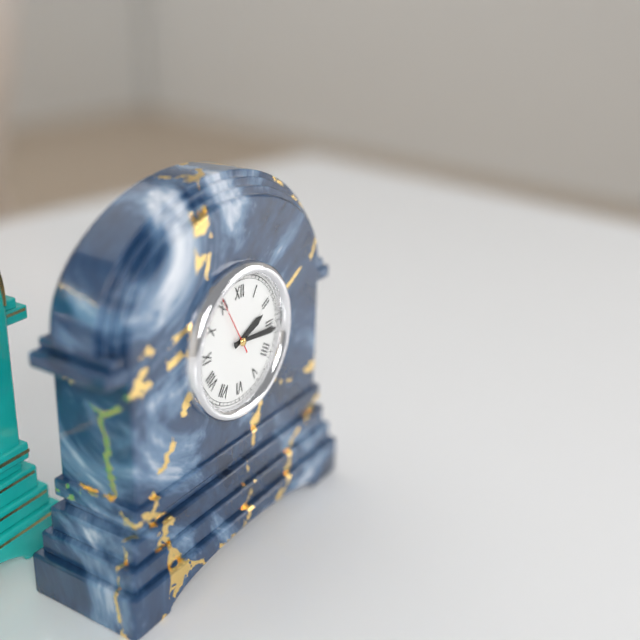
{"hour": 2, "minute": 16, "second": 55}
